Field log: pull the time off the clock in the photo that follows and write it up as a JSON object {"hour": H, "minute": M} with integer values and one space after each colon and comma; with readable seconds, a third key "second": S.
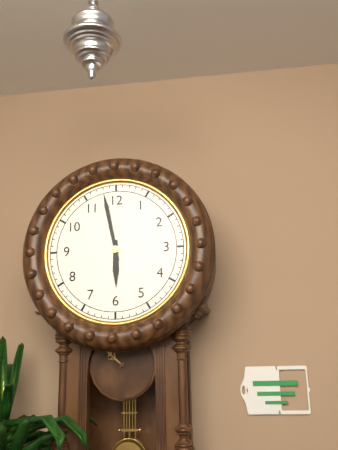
{"hour": 5, "minute": 58}
